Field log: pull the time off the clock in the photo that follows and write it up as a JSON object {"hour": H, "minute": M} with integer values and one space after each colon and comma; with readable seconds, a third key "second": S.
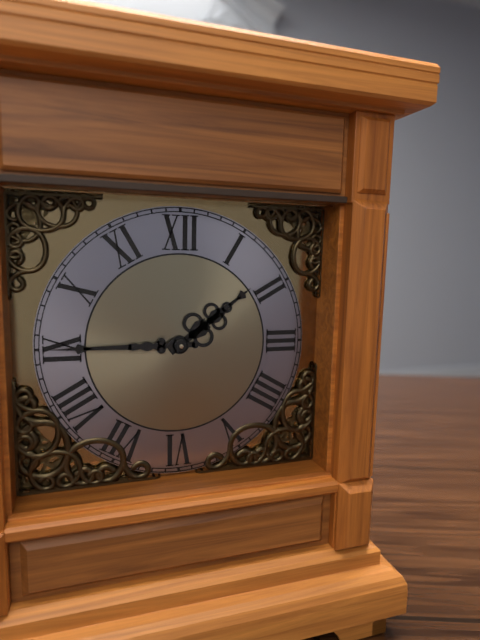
{"hour": 1, "minute": 45}
